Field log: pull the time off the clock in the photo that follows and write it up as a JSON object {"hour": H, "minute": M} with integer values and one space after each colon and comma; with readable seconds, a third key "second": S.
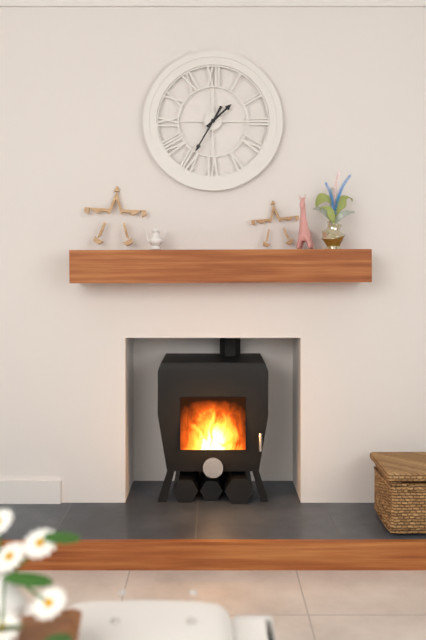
{"hour": 1, "minute": 35}
